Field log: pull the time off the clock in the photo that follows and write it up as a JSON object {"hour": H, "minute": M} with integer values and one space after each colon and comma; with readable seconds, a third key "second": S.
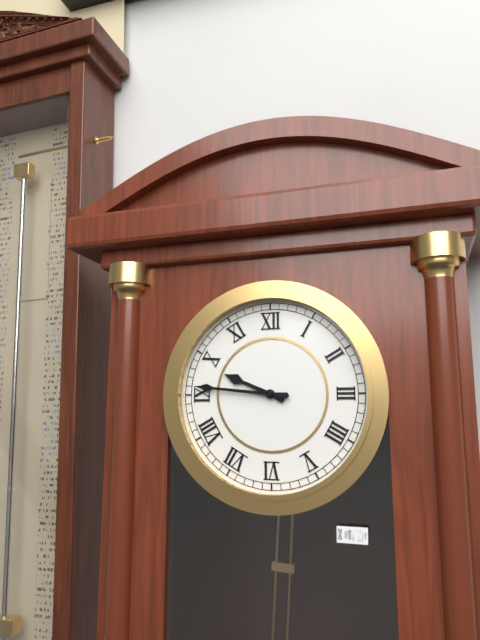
{"hour": 9, "minute": 46}
